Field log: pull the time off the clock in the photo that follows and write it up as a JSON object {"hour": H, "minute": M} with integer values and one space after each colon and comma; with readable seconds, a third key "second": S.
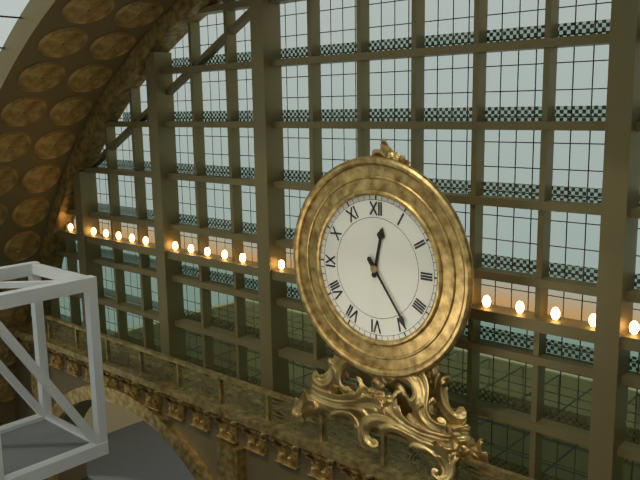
{"hour": 12, "minute": 24}
